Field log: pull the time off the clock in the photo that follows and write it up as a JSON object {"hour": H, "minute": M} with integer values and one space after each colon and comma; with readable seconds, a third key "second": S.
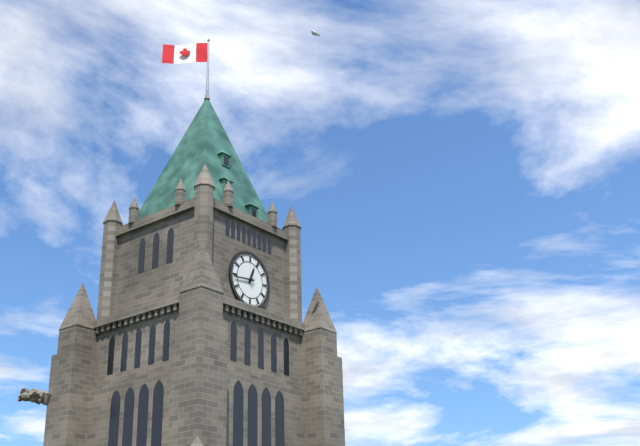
{"hour": 12, "minute": 44}
